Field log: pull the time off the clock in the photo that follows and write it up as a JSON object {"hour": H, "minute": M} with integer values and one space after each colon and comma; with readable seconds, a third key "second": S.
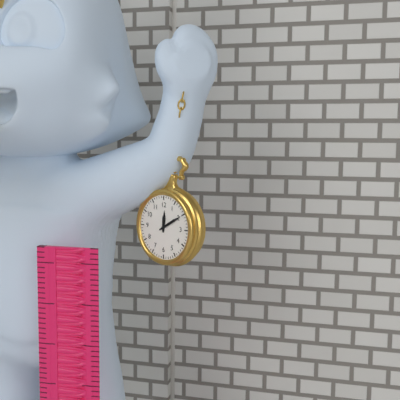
{"hour": 12, "minute": 10}
